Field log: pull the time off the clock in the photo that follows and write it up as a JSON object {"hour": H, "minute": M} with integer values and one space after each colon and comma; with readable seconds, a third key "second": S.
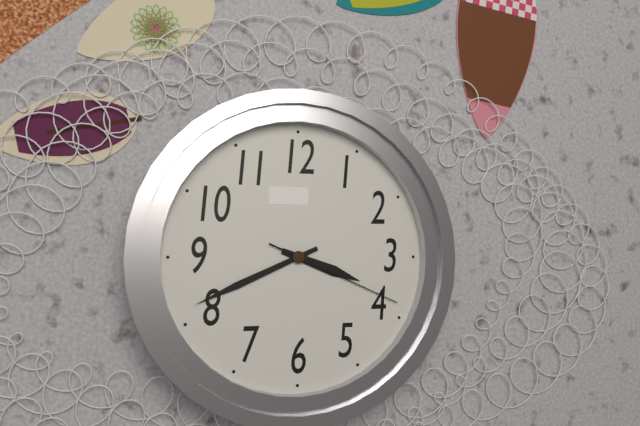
{"hour": 3, "minute": 41, "second": 19}
